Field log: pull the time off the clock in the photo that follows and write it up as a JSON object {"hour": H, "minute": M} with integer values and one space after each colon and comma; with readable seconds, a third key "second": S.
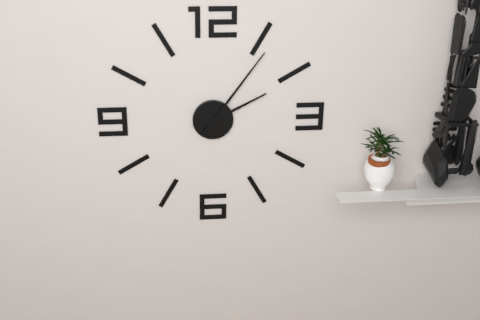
{"hour": 2, "minute": 6}
